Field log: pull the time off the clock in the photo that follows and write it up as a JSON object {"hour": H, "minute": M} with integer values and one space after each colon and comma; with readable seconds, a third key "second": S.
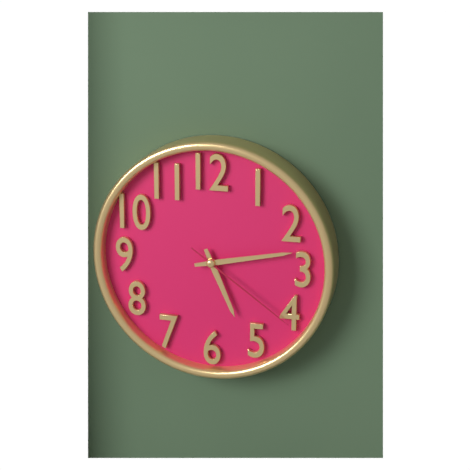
{"hour": 5, "minute": 13, "second": 21}
